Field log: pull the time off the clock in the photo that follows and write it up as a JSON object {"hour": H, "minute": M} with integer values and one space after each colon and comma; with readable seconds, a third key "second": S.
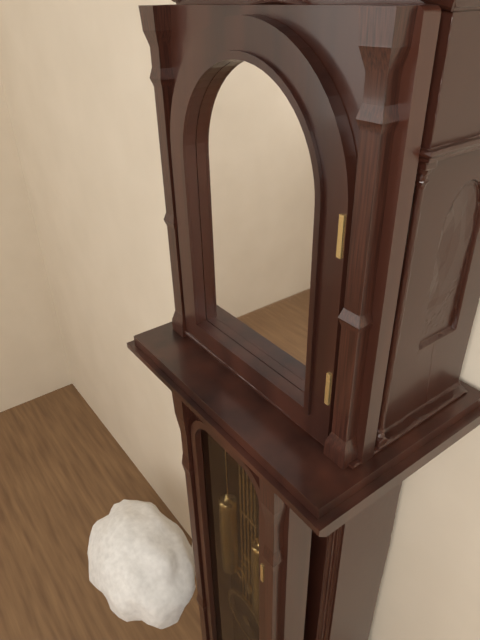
{"hour": 1, "minute": 55}
